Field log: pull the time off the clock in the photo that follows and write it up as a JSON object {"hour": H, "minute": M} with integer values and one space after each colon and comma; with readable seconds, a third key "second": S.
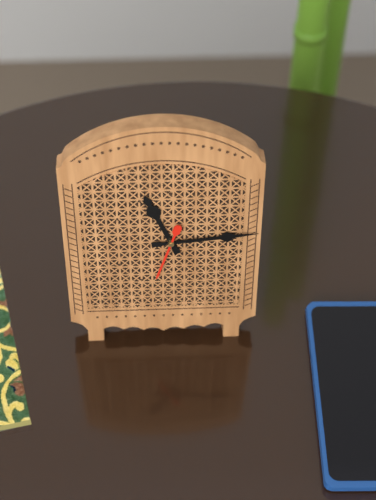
{"hour": 11, "minute": 14}
